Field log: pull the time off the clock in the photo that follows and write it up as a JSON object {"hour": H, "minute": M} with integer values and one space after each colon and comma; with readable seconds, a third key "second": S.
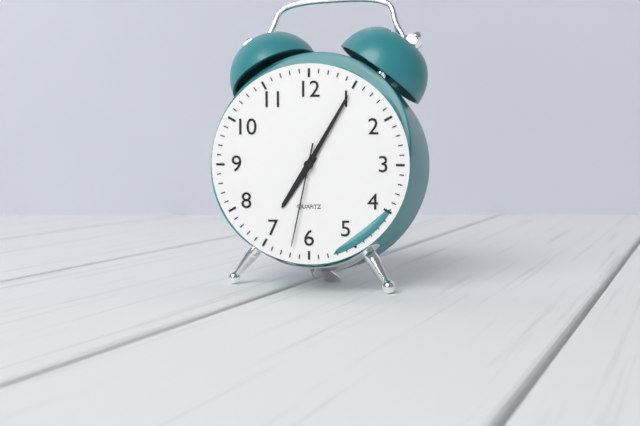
{"hour": 7, "minute": 5, "second": 32}
